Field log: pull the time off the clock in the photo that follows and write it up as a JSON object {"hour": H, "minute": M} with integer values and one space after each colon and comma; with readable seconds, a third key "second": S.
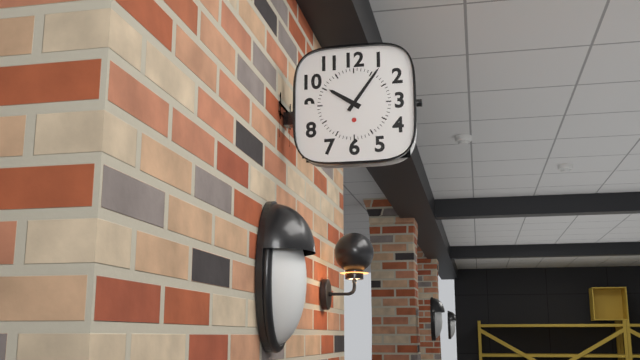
{"hour": 10, "minute": 6}
